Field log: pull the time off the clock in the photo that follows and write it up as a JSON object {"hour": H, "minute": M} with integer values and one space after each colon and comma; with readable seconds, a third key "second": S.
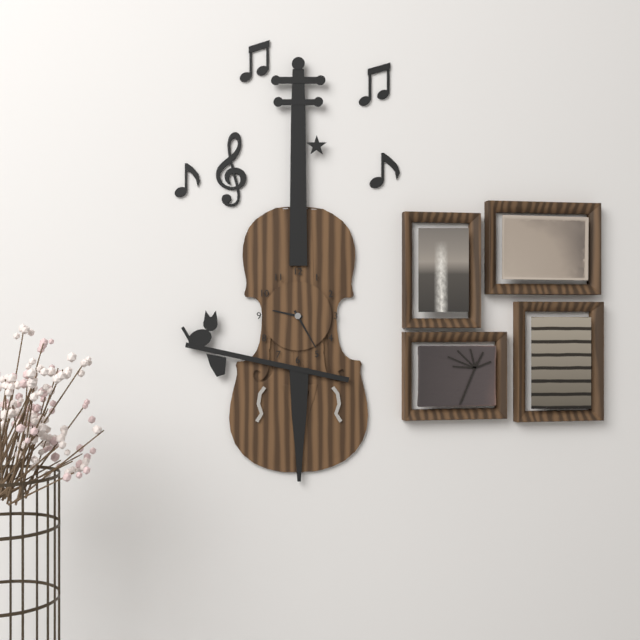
{"hour": 9, "minute": 25}
